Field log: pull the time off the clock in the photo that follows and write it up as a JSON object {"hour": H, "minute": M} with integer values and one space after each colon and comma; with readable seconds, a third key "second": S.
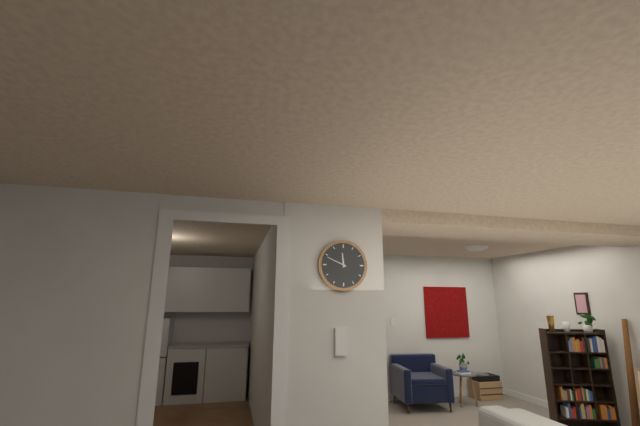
{"hour": 11, "minute": 49}
